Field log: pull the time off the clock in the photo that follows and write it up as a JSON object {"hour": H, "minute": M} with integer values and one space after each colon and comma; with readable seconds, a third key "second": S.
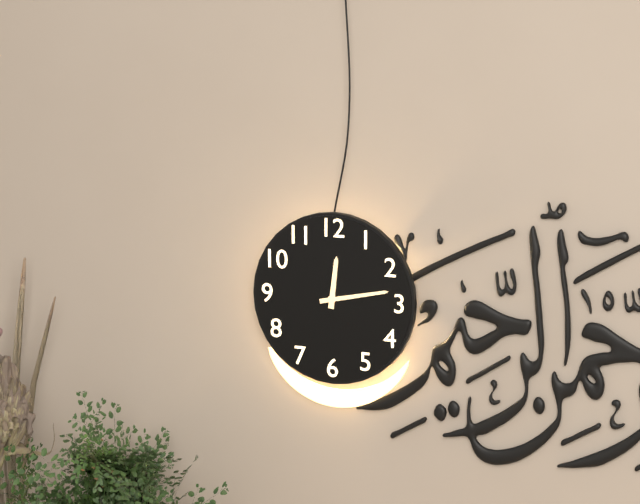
{"hour": 12, "minute": 13}
